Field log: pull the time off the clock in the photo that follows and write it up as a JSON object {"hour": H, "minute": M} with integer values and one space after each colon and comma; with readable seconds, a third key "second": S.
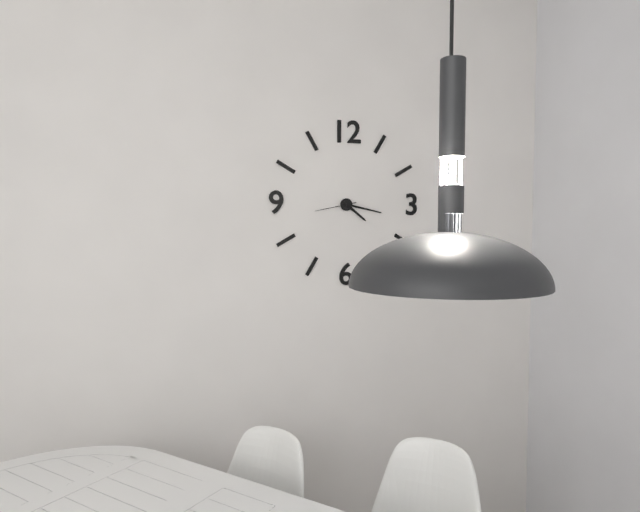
{"hour": 4, "minute": 17}
